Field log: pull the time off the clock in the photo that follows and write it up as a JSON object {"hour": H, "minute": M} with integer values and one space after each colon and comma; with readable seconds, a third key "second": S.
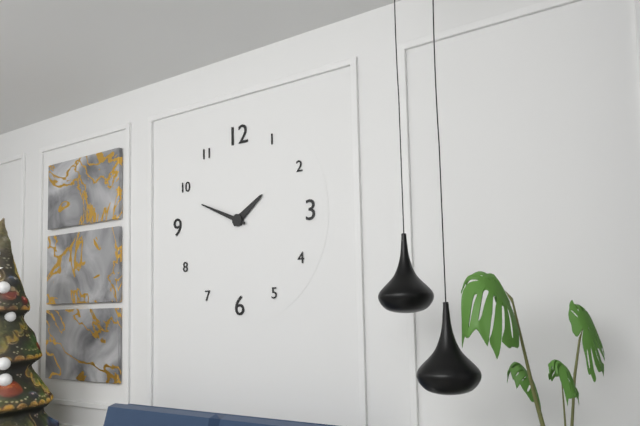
{"hour": 1, "minute": 49}
